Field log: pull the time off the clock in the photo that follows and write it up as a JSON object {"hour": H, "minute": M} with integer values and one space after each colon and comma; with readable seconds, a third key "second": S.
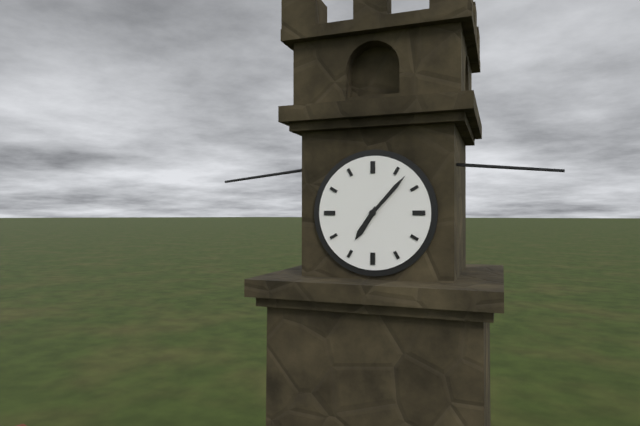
{"hour": 7, "minute": 7}
